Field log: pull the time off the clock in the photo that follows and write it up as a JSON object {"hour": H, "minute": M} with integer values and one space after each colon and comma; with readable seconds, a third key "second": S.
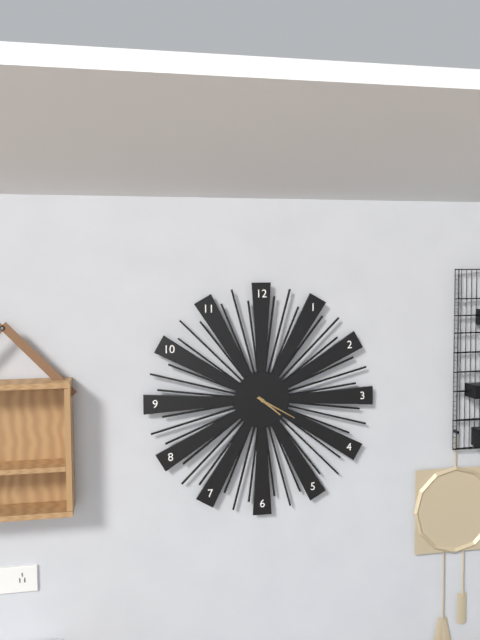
{"hour": 4, "minute": 20}
